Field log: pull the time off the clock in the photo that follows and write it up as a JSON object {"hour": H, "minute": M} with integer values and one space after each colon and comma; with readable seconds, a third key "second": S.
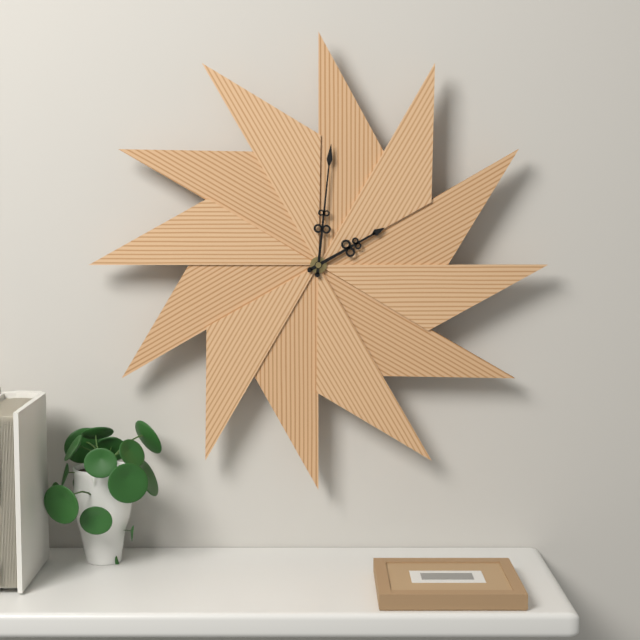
{"hour": 2, "minute": 1}
